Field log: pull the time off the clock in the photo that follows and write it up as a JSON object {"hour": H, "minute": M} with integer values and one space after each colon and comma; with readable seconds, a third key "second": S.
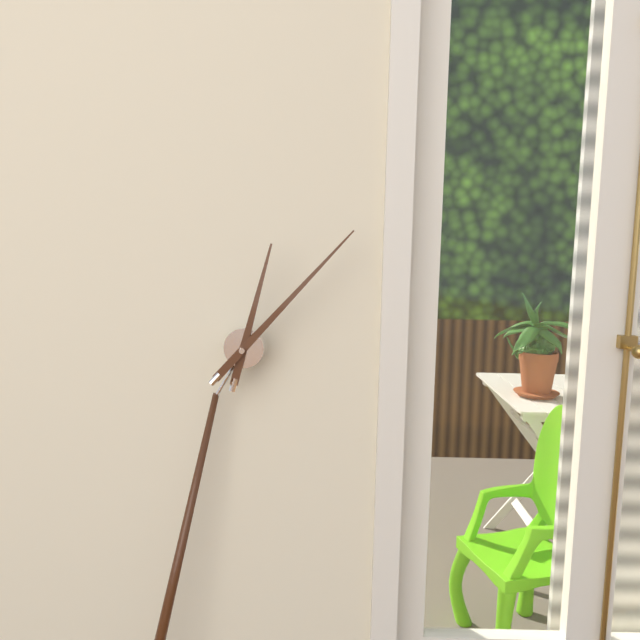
{"hour": 12, "minute": 5}
